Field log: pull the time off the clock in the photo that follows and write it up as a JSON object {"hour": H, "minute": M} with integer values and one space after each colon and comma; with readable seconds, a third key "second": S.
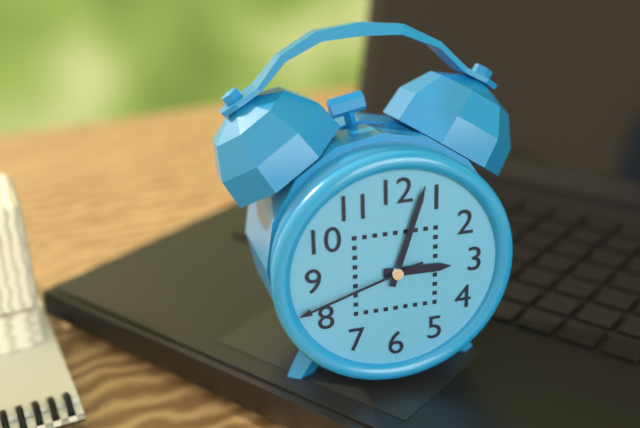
{"hour": 3, "minute": 3, "second": 42}
